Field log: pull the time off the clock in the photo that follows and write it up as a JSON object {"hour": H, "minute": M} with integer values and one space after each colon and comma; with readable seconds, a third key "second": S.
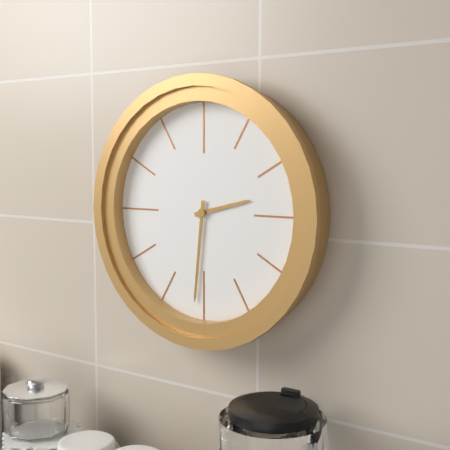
{"hour": 2, "minute": 31}
